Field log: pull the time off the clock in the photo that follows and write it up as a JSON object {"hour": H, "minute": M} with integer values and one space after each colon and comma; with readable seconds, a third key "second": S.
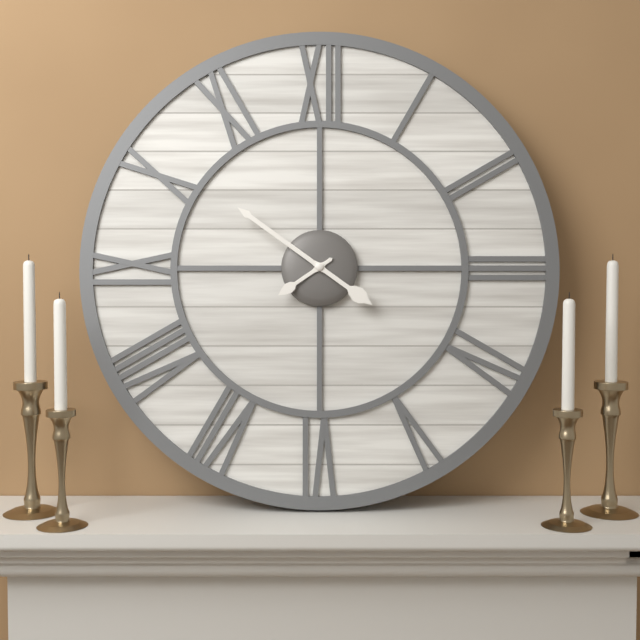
{"hour": 7, "minute": 51}
